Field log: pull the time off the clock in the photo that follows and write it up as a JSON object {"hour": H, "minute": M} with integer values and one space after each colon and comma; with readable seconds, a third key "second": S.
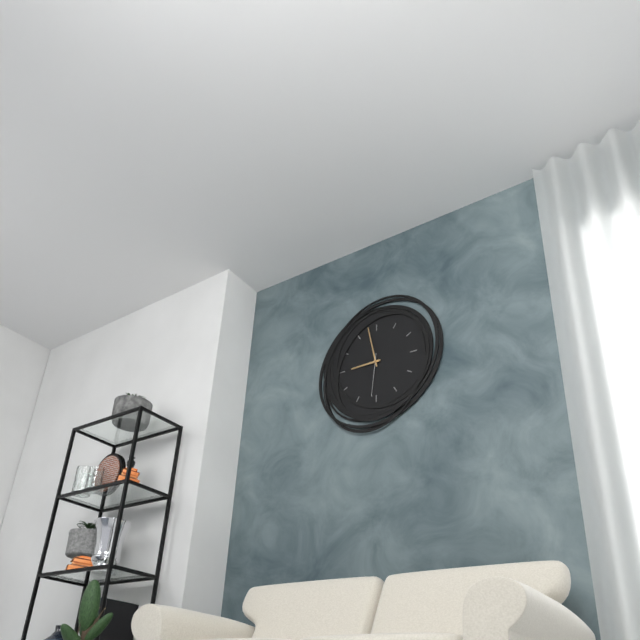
{"hour": 8, "minute": 58}
